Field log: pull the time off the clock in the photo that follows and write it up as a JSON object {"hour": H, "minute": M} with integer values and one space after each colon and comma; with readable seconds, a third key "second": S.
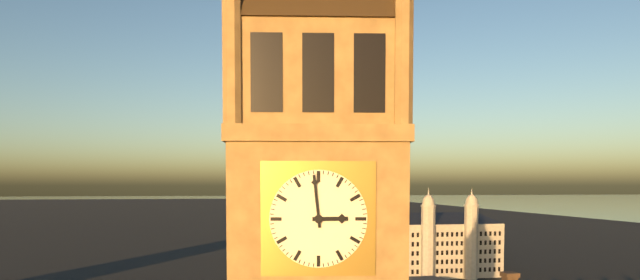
{"hour": 2, "minute": 59}
